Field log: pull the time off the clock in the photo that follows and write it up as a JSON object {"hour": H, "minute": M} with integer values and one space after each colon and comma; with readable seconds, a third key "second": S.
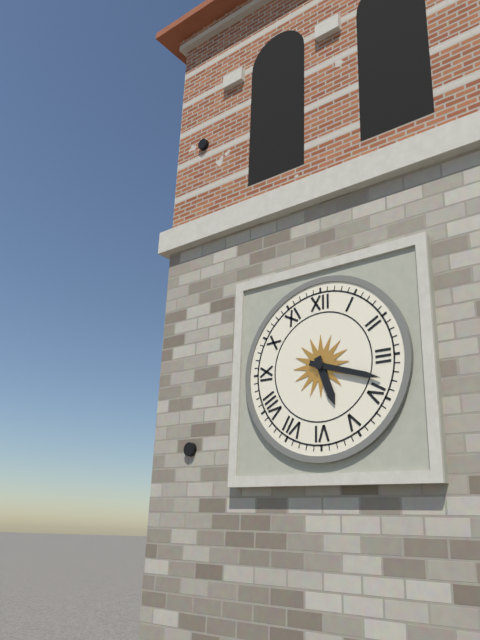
{"hour": 5, "minute": 18}
